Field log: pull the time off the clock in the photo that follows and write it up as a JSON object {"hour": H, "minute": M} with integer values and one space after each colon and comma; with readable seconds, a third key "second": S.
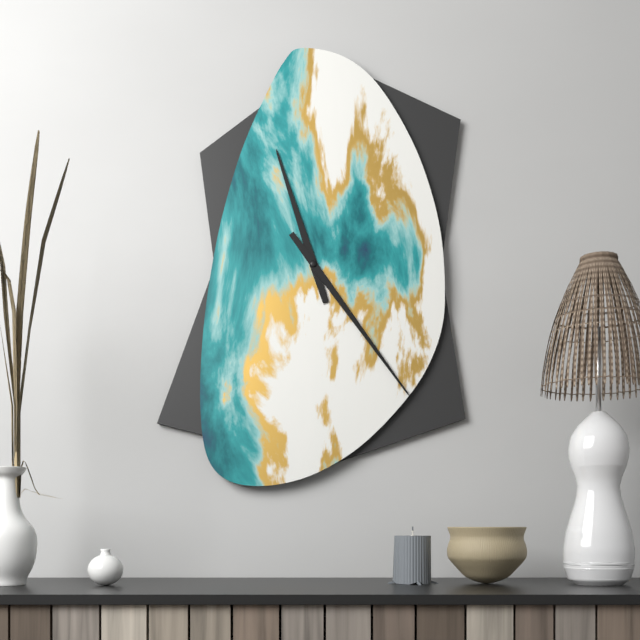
{"hour": 11, "minute": 24}
